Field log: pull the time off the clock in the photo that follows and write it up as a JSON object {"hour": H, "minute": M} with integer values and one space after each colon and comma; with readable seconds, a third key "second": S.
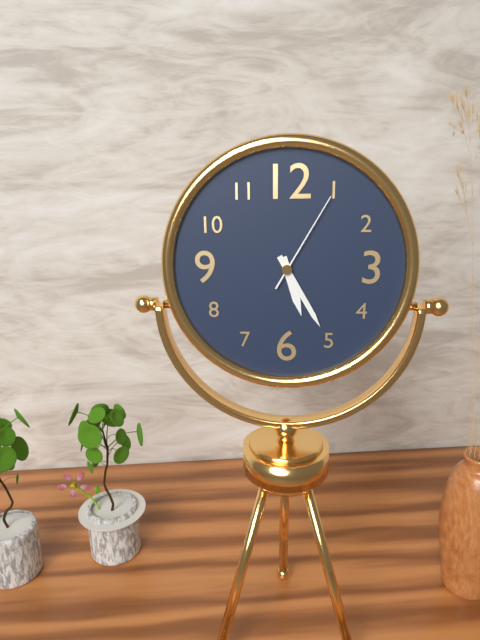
{"hour": 5, "minute": 25, "second": 5}
